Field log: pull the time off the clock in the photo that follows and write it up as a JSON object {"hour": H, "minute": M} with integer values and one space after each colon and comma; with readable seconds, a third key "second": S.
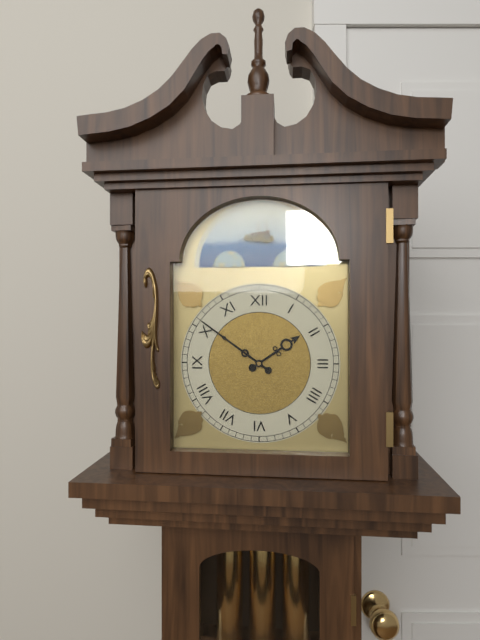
{"hour": 1, "minute": 51}
